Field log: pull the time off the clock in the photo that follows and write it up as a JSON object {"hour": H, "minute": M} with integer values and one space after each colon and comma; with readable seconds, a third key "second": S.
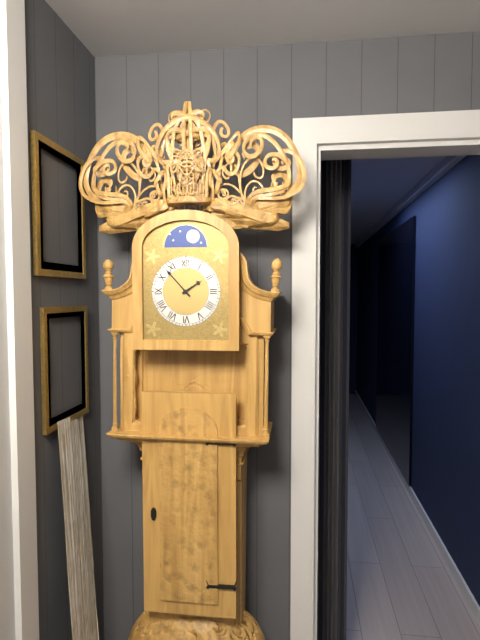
{"hour": 1, "minute": 53}
